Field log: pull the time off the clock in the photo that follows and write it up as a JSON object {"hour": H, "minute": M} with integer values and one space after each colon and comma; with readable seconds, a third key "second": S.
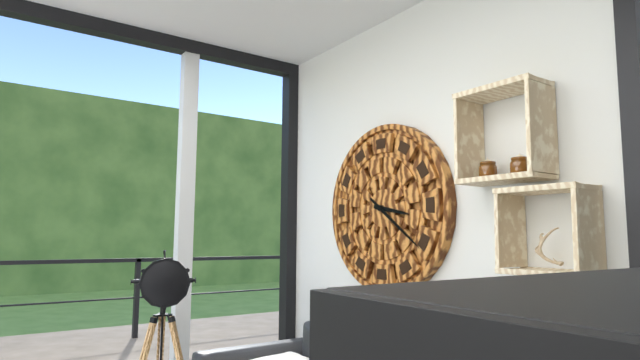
{"hour": 3, "minute": 21}
